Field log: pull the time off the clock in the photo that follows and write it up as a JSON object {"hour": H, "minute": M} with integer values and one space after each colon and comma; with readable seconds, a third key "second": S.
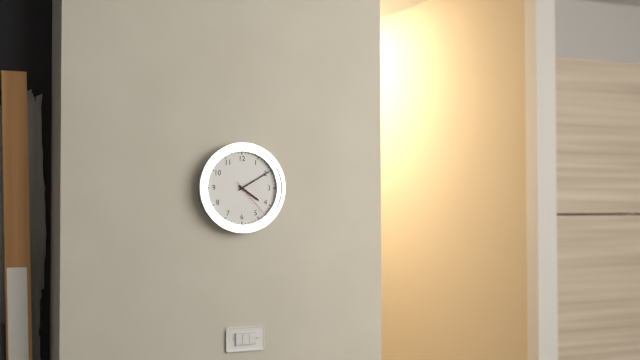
{"hour": 4, "minute": 10}
